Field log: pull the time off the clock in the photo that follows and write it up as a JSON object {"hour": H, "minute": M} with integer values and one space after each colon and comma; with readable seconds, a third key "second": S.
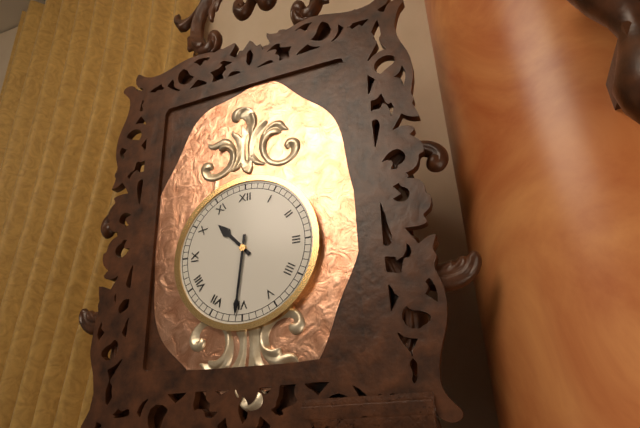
{"hour": 10, "minute": 31}
